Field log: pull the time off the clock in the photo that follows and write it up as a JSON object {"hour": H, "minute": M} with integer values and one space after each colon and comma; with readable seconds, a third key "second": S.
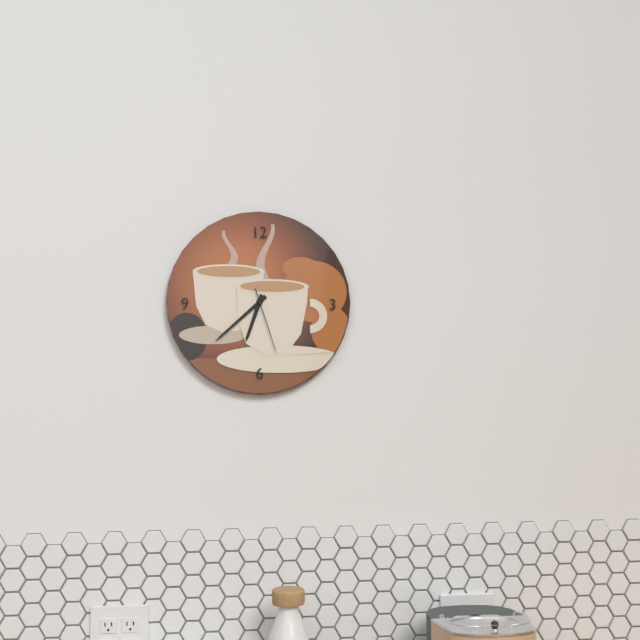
{"hour": 6, "minute": 38, "second": 27}
